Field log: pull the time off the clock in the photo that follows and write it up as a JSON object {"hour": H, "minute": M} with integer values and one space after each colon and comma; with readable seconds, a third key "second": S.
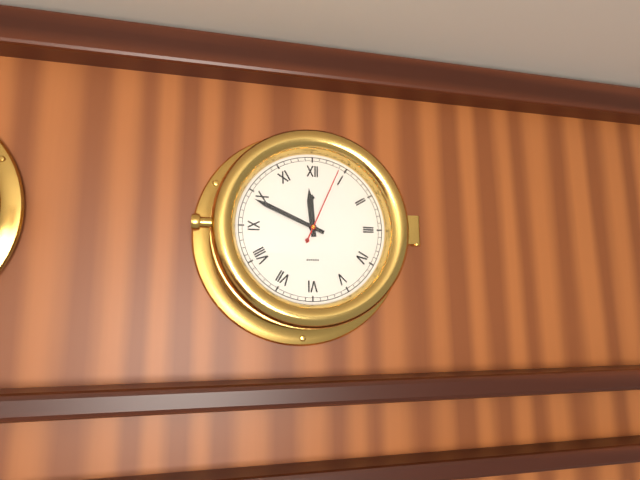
{"hour": 11, "minute": 49, "second": 4}
